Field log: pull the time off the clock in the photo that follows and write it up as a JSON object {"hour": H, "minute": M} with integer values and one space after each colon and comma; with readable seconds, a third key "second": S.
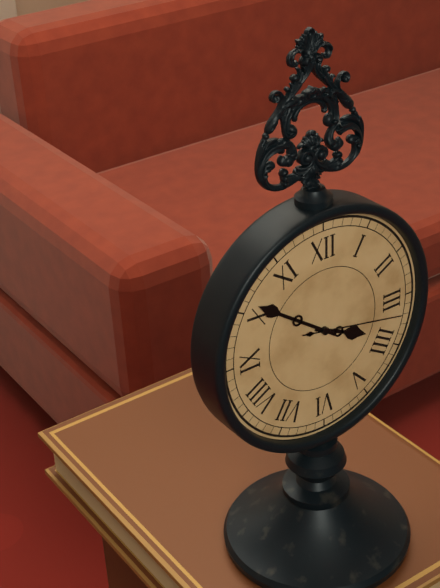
{"hour": 3, "minute": 51, "second": 17}
